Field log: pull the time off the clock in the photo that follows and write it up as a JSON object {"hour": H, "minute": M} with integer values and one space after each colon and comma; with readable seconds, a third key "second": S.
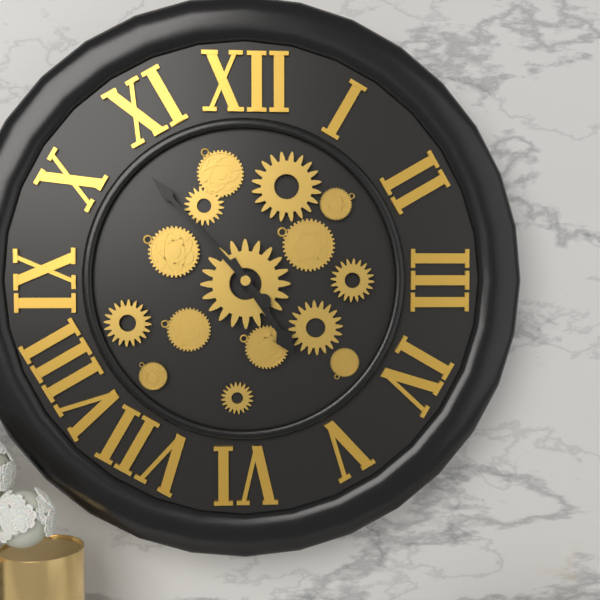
{"hour": 4, "minute": 53}
